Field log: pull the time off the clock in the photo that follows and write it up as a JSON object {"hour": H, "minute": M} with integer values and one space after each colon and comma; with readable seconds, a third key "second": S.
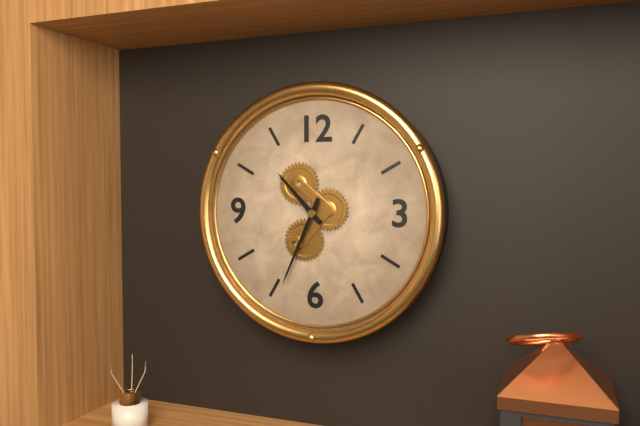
{"hour": 10, "minute": 34}
